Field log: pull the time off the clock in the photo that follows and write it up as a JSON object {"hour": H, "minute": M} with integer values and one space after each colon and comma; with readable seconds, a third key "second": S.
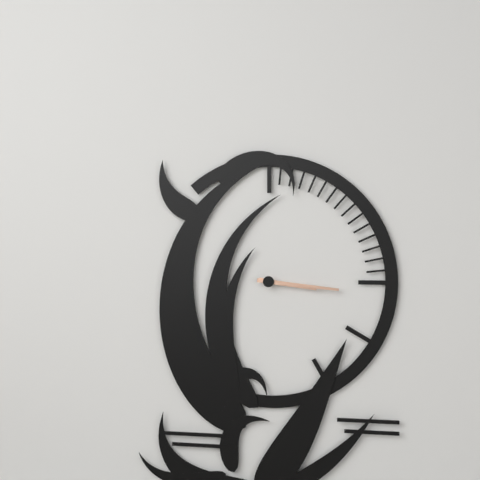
{"hour": 3, "minute": 16}
